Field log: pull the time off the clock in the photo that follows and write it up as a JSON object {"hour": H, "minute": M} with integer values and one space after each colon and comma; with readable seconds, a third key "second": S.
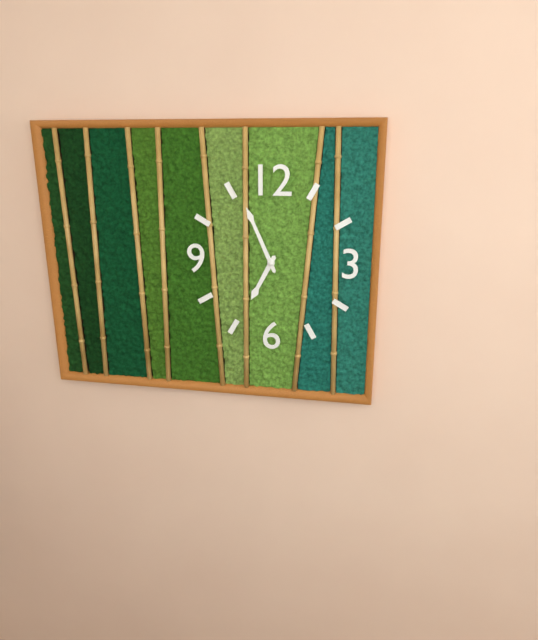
{"hour": 6, "minute": 56}
